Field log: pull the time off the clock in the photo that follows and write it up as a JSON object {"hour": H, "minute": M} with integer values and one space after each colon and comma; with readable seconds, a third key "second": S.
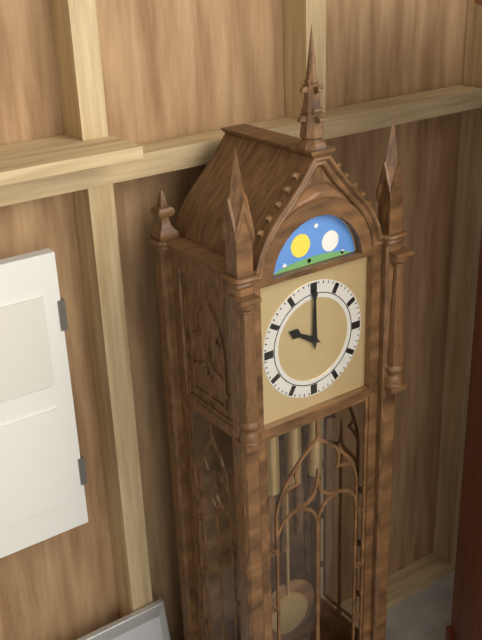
{"hour": 10, "minute": 0}
